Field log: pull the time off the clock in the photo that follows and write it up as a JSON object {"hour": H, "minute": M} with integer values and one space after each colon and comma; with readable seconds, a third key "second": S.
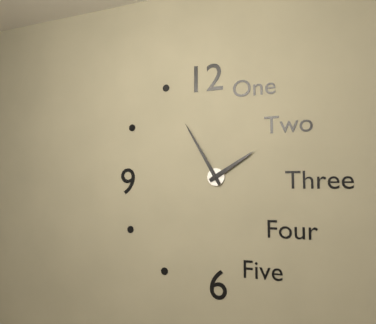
{"hour": 1, "minute": 55}
